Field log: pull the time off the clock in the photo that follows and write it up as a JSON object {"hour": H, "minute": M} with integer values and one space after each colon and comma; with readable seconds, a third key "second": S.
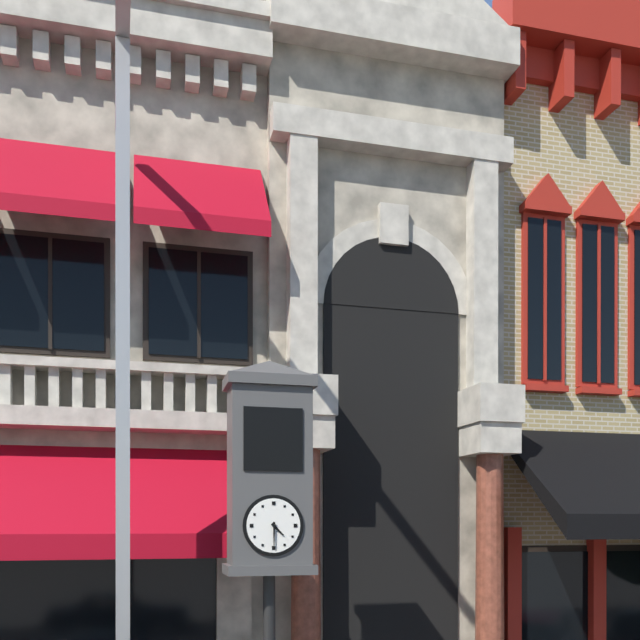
{"hour": 4, "minute": 30}
